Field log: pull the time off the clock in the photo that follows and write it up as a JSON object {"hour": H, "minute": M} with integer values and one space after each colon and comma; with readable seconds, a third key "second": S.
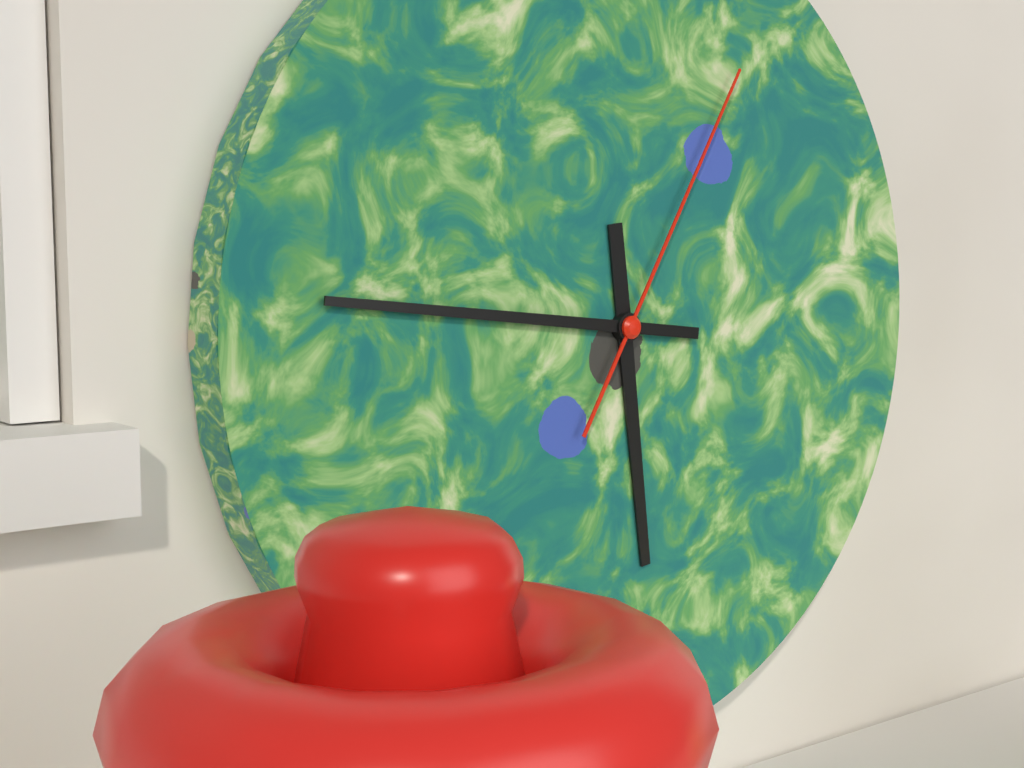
{"hour": 5, "minute": 46, "second": 5}
